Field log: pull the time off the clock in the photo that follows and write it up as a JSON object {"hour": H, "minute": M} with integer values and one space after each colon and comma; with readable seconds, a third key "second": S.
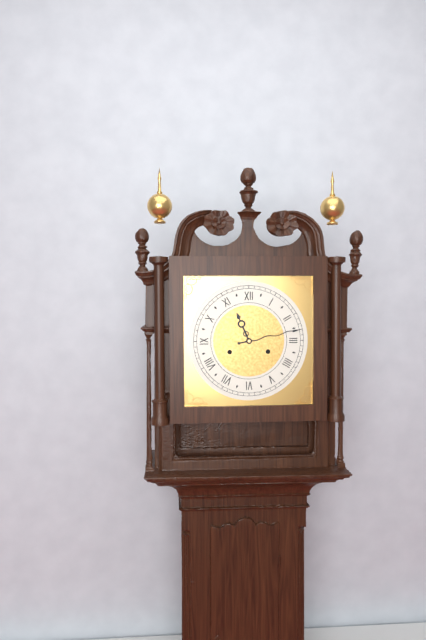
{"hour": 11, "minute": 13}
